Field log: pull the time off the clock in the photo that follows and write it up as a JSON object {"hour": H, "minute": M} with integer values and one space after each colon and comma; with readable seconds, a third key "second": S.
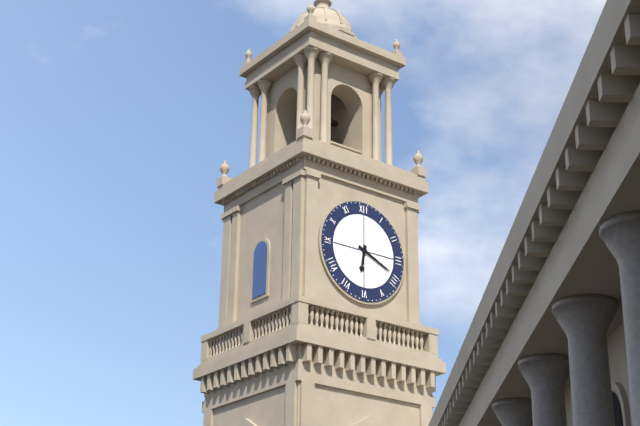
{"hour": 6, "minute": 19}
